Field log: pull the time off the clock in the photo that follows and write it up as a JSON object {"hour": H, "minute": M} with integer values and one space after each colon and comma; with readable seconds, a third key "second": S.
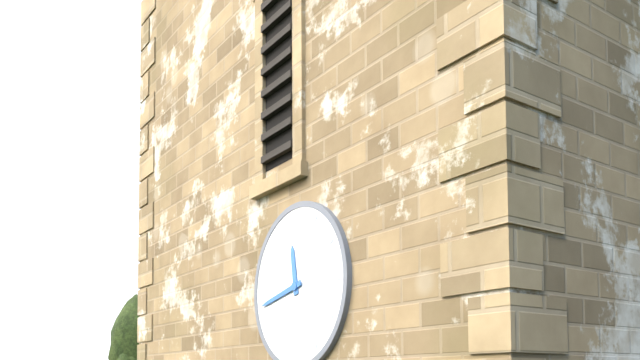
{"hour": 11, "minute": 43}
